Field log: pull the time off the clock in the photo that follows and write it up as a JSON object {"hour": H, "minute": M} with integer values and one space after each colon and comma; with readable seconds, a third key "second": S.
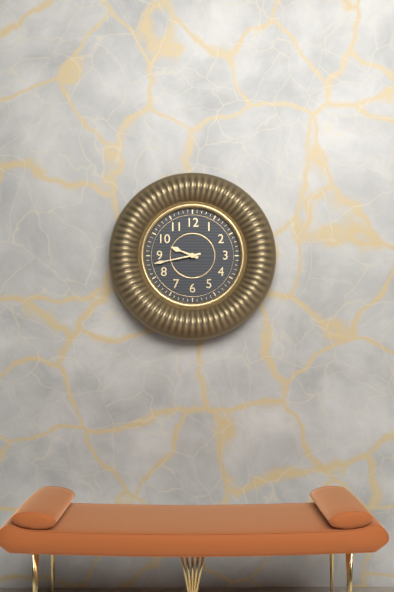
{"hour": 9, "minute": 43}
